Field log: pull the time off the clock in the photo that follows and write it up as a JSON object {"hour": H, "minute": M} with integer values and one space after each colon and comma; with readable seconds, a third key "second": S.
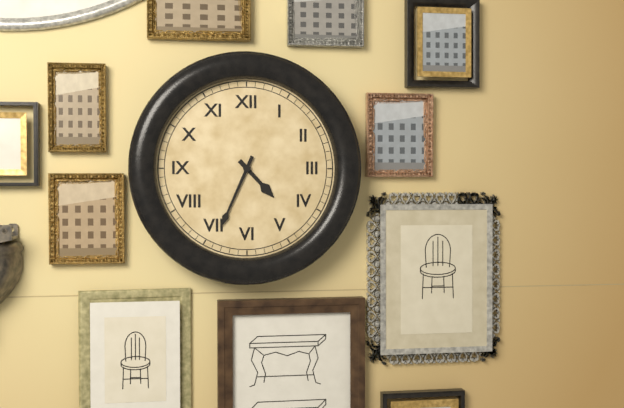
{"hour": 4, "minute": 34}
